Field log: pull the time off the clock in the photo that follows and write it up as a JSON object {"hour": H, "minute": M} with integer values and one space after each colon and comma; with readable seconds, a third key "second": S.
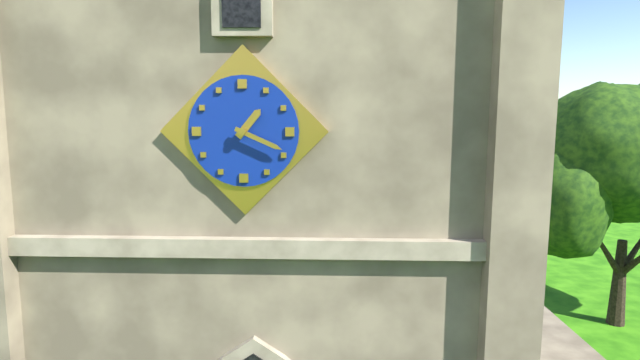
{"hour": 1, "minute": 19}
